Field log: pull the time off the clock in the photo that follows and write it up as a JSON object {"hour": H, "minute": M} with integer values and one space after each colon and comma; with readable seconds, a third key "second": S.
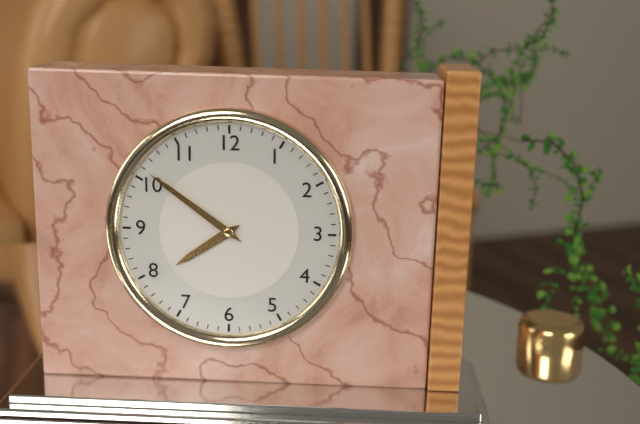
{"hour": 7, "minute": 51}
